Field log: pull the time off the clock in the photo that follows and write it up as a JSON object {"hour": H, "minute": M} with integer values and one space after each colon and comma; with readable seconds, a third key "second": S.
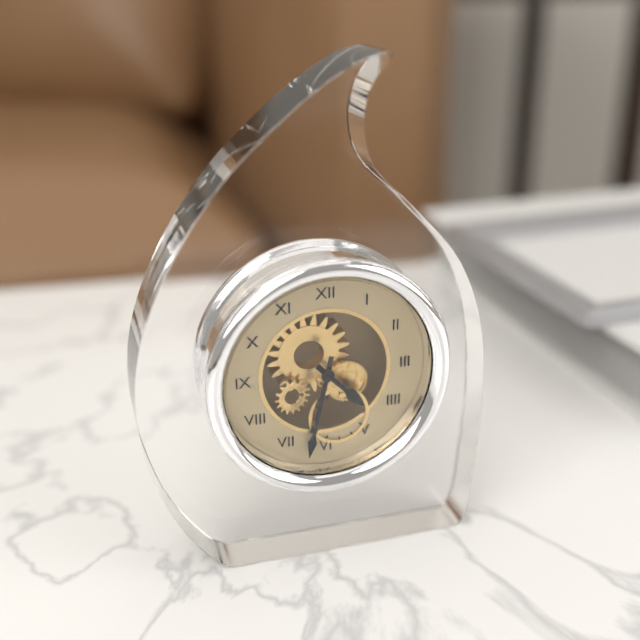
{"hour": 4, "minute": 32}
